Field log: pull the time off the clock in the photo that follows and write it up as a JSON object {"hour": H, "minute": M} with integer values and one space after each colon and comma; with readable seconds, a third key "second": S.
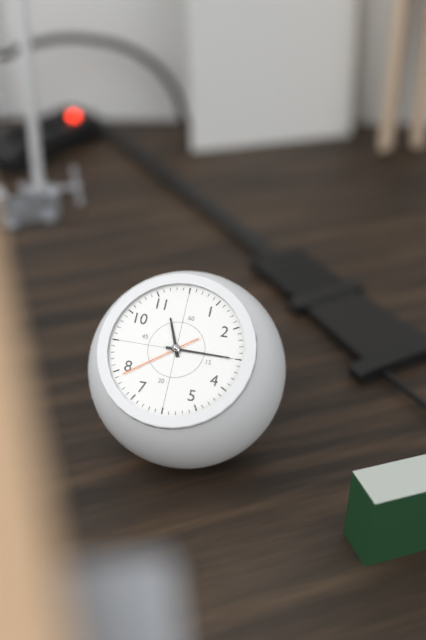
{"hour": 11, "minute": 15, "second": 39}
